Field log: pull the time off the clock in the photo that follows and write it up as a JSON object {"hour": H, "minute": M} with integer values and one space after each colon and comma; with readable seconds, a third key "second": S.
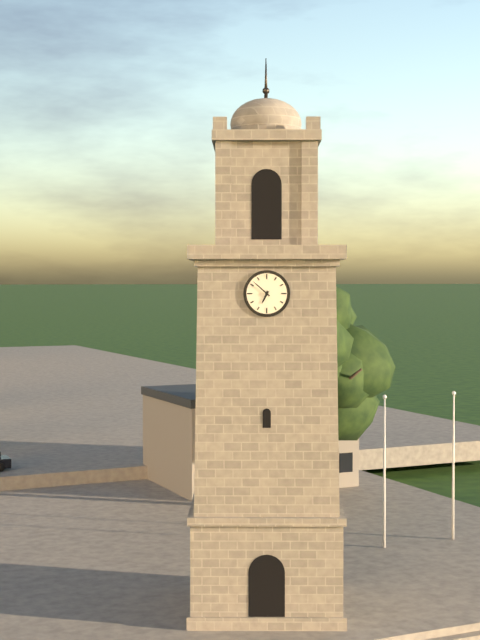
{"hour": 6, "minute": 52}
